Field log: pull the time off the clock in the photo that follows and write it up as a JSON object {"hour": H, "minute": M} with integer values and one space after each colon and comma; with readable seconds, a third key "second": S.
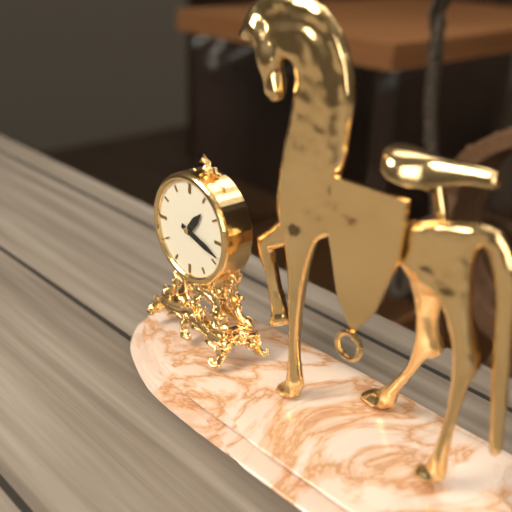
{"hour": 1, "minute": 18}
